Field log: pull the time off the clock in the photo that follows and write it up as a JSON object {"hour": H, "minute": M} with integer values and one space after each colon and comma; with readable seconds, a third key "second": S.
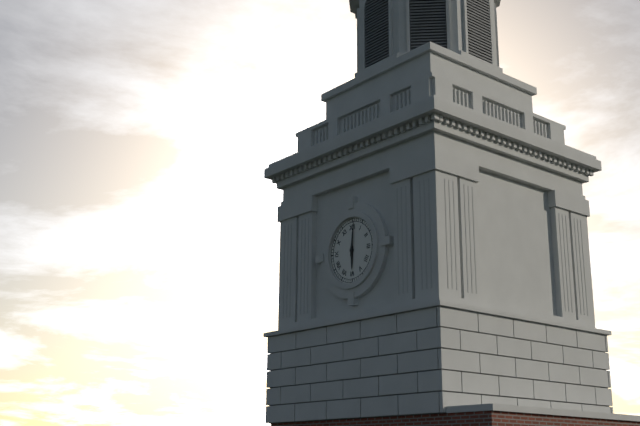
{"hour": 6, "minute": 1}
